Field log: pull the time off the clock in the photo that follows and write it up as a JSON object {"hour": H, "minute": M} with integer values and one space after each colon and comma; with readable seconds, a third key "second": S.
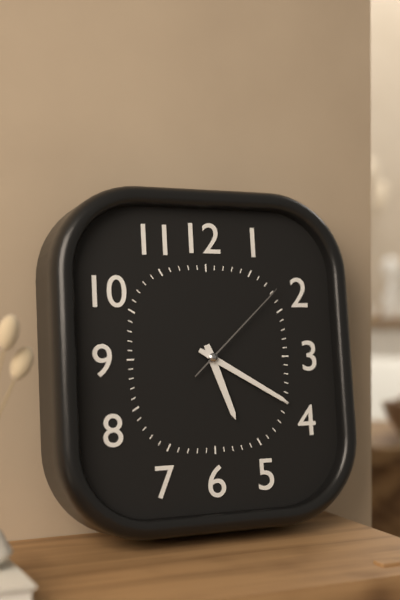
{"hour": 5, "minute": 20, "second": 8}
